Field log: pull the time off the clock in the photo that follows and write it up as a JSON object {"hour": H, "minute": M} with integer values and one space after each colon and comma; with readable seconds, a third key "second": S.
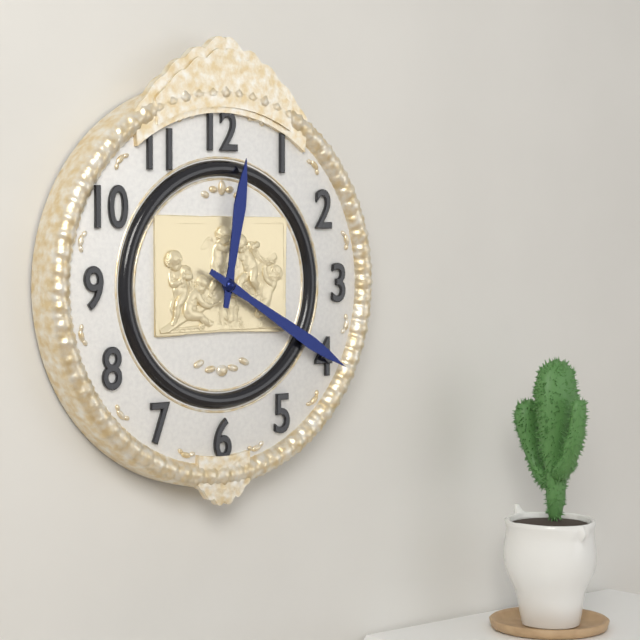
{"hour": 12, "minute": 20}
